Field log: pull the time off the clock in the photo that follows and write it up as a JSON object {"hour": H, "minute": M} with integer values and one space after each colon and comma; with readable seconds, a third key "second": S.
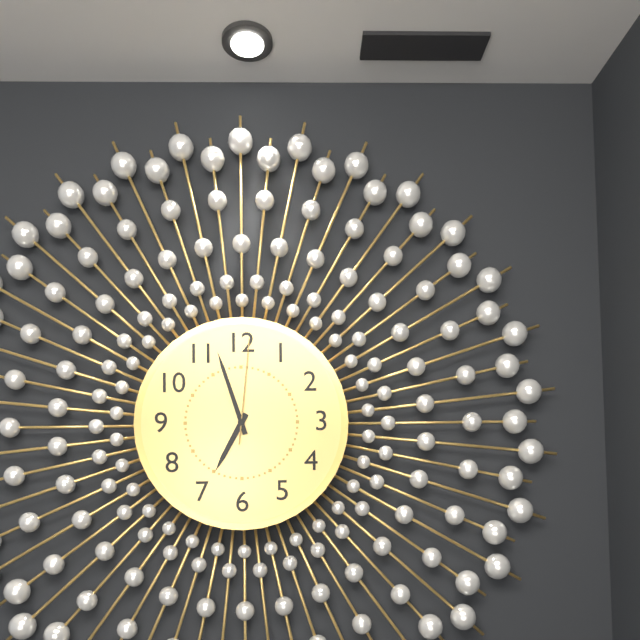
{"hour": 6, "minute": 57, "second": 1}
